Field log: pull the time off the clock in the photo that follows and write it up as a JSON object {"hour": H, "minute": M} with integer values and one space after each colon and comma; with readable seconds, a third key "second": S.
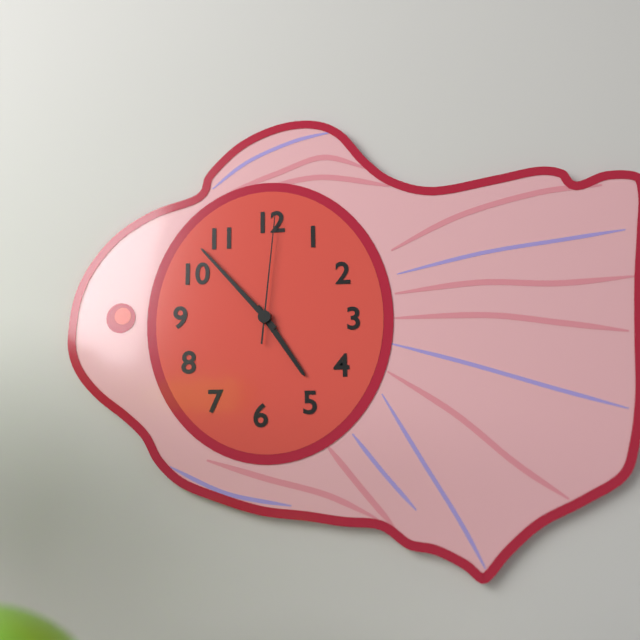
{"hour": 4, "minute": 53, "second": 1}
